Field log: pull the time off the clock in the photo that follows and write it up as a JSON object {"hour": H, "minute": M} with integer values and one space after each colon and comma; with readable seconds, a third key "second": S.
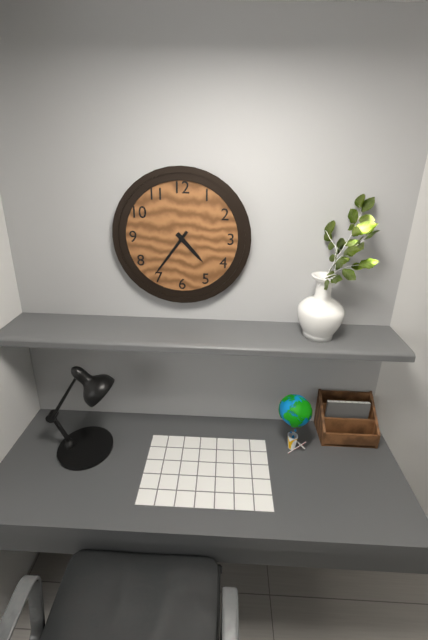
{"hour": 4, "minute": 36}
